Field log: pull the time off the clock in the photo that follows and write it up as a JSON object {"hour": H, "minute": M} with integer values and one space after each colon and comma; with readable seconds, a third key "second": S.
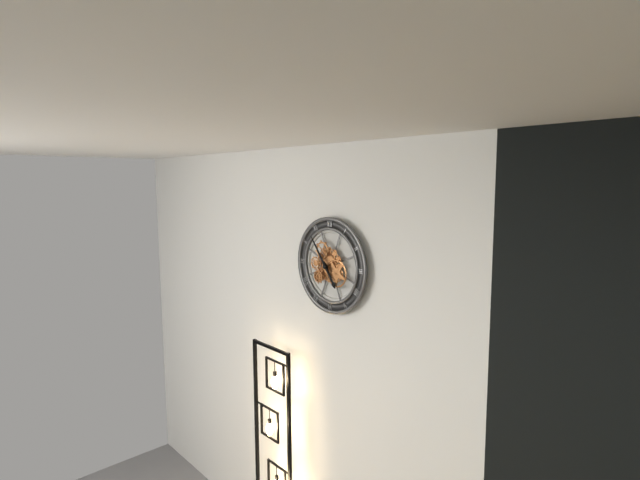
{"hour": 4, "minute": 54}
